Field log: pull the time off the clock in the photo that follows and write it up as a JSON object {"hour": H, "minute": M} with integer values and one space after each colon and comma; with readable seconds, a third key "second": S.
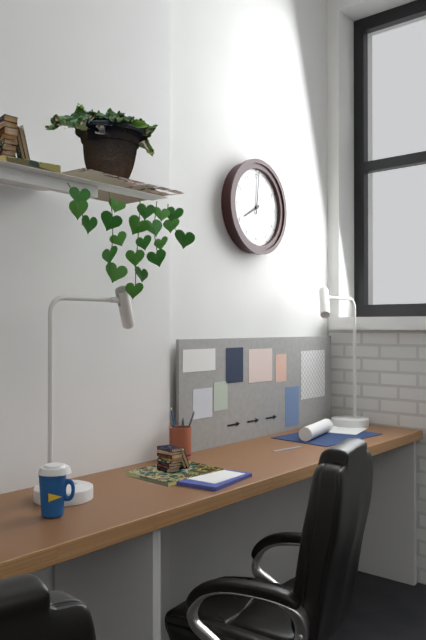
{"hour": 8, "minute": 1}
